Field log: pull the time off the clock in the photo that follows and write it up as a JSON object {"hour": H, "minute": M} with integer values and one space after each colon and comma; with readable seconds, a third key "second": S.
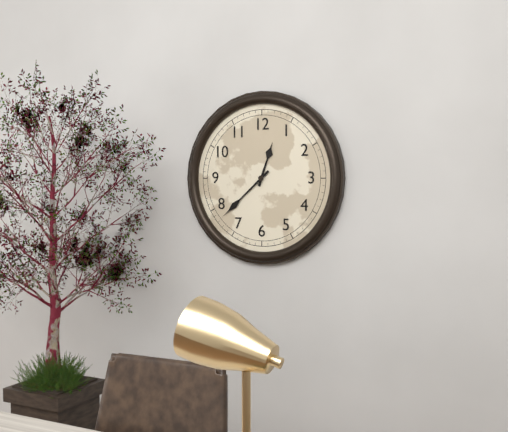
{"hour": 12, "minute": 38}
